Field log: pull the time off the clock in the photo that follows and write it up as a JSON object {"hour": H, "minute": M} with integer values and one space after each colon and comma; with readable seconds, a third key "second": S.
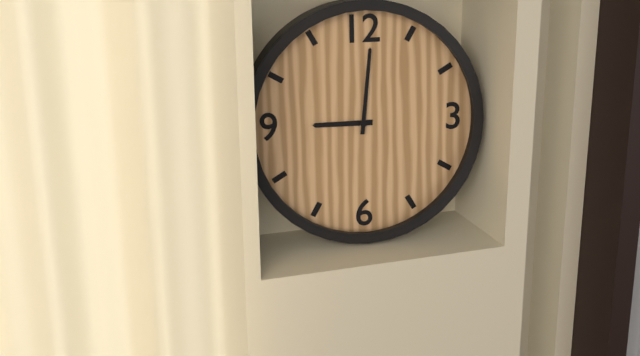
{"hour": 9, "minute": 1}
